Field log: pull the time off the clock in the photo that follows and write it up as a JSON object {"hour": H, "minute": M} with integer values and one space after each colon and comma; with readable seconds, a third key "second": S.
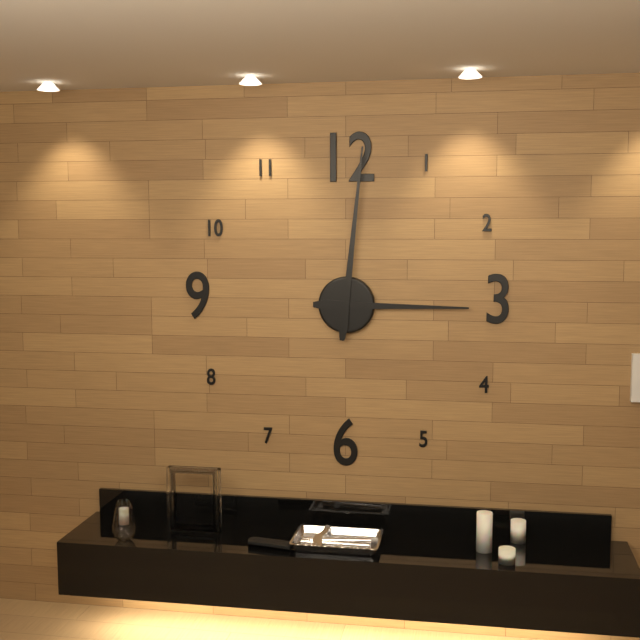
{"hour": 3, "minute": 1}
